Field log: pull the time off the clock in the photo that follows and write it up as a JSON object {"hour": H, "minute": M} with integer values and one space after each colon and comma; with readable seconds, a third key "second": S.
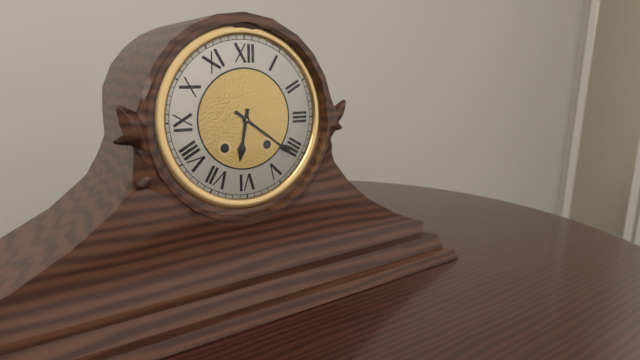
{"hour": 6, "minute": 21}
